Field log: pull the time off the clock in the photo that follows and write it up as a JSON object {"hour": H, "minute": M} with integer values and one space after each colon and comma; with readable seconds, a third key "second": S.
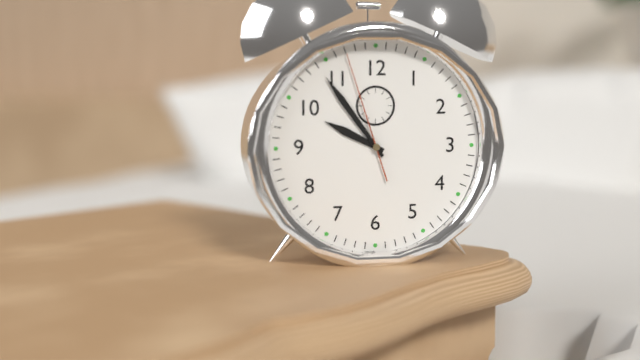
{"hour": 9, "minute": 54, "second": 57}
